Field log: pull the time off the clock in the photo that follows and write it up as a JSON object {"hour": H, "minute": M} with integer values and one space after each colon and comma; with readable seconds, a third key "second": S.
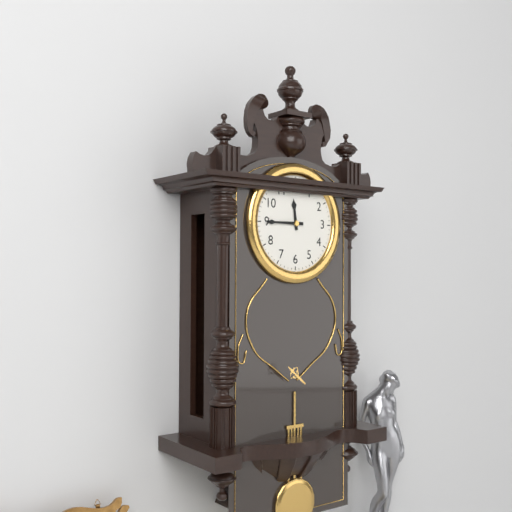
{"hour": 11, "minute": 45}
